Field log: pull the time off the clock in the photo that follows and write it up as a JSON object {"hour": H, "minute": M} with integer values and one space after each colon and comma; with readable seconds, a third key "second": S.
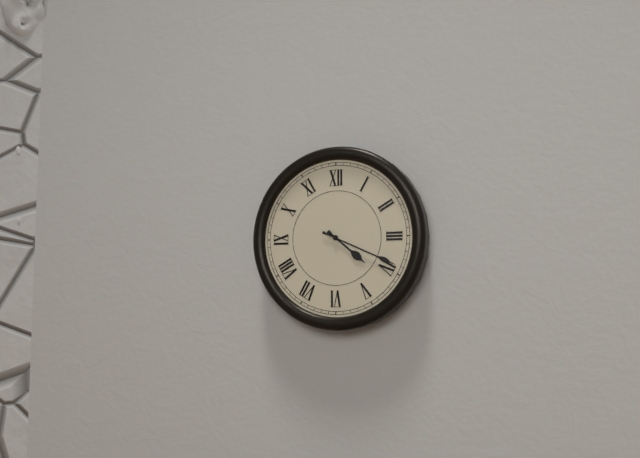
{"hour": 4, "minute": 19}
